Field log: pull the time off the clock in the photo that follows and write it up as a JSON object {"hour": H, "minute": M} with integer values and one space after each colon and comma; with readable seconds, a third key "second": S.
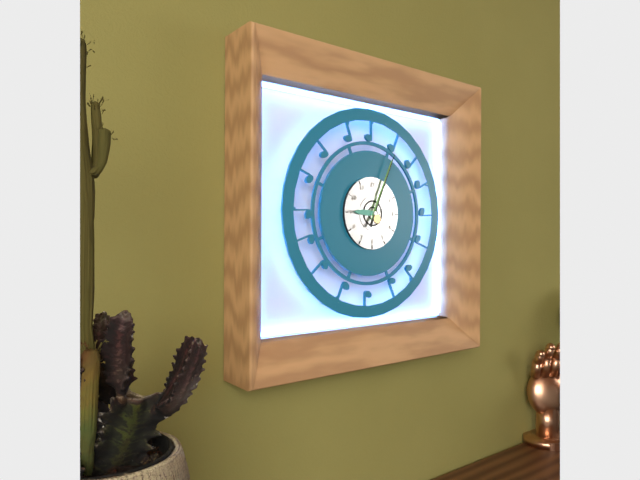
{"hour": 9, "minute": 4, "second": 4}
